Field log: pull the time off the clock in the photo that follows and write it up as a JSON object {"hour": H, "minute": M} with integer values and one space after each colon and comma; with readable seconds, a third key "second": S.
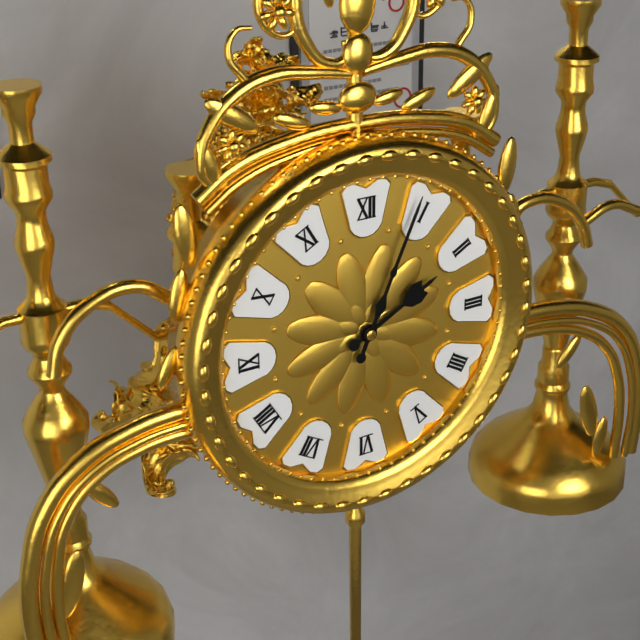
{"hour": 2, "minute": 4}
